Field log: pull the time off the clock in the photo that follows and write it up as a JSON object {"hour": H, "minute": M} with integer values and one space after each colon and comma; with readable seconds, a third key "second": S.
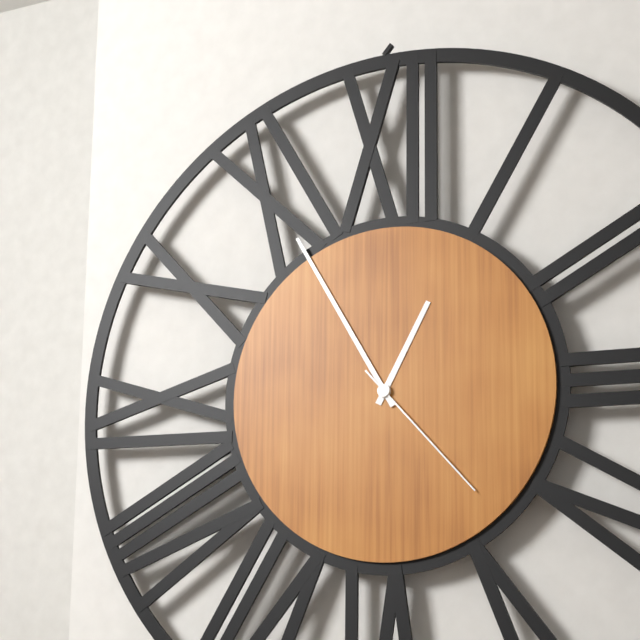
{"hour": 12, "minute": 55, "second": 23}
